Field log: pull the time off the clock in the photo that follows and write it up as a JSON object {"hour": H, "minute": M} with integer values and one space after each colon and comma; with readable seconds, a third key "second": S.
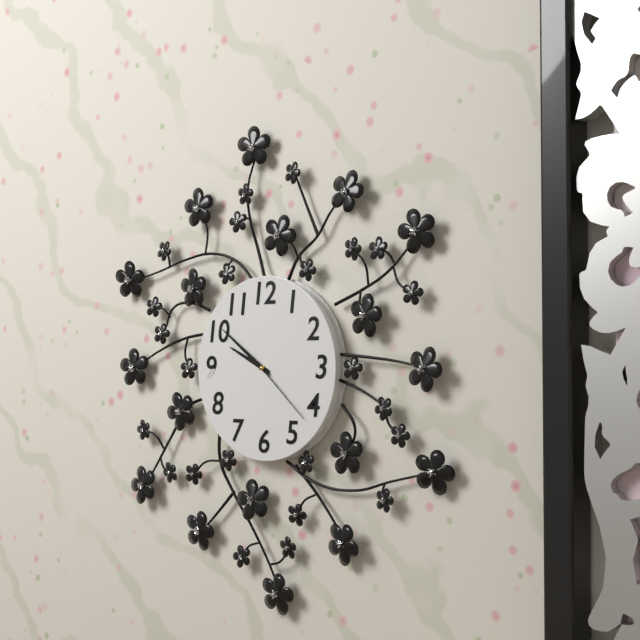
{"hour": 9, "minute": 51, "second": 22}
